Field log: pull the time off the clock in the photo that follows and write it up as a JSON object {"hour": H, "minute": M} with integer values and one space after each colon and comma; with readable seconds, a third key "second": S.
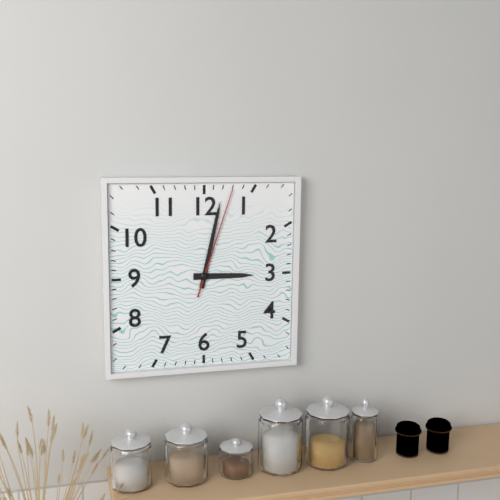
{"hour": 3, "minute": 2, "second": 3}
